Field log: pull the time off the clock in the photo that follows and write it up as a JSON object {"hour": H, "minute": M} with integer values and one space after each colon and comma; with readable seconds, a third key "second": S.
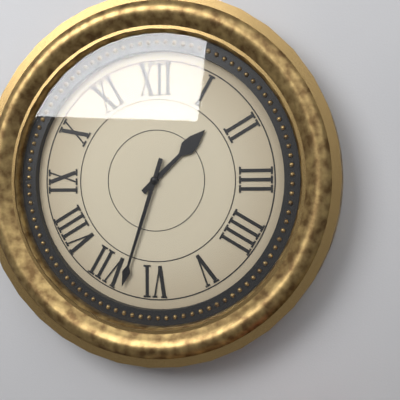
{"hour": 1, "minute": 33}
